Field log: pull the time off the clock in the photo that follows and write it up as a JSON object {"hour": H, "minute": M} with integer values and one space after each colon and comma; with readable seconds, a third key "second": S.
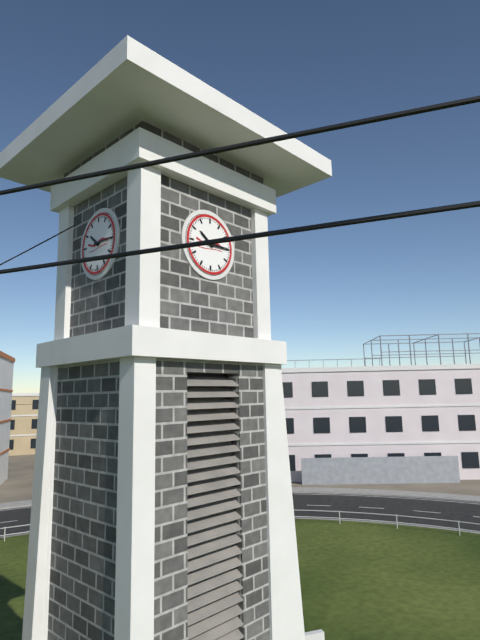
{"hour": 10, "minute": 15}
